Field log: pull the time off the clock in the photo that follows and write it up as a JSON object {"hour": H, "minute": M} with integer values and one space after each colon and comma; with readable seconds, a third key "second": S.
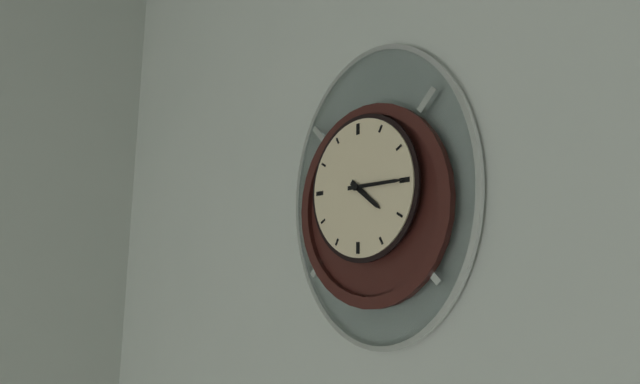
{"hour": 4, "minute": 15}
